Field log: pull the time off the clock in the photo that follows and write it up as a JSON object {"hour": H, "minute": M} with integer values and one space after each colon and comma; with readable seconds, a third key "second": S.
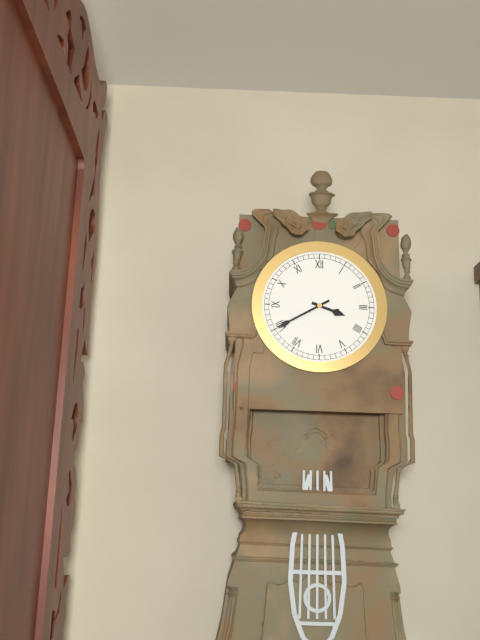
{"hour": 3, "minute": 40}
